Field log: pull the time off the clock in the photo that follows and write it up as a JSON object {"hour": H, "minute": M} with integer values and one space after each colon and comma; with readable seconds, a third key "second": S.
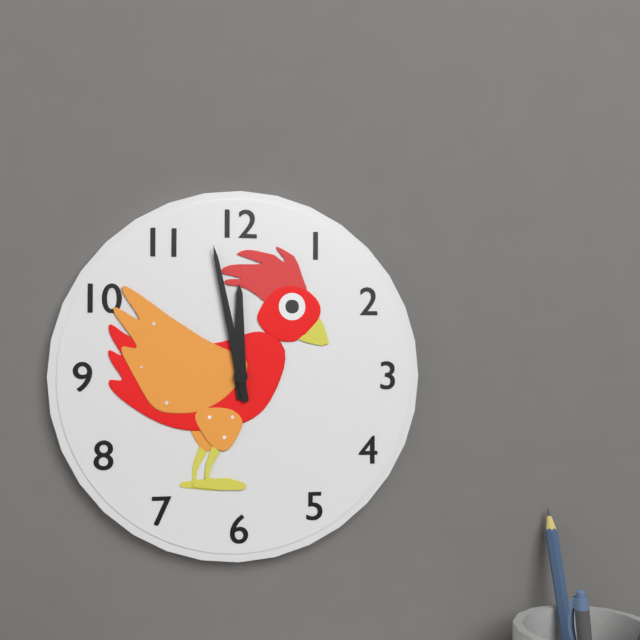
{"hour": 11, "minute": 58}
